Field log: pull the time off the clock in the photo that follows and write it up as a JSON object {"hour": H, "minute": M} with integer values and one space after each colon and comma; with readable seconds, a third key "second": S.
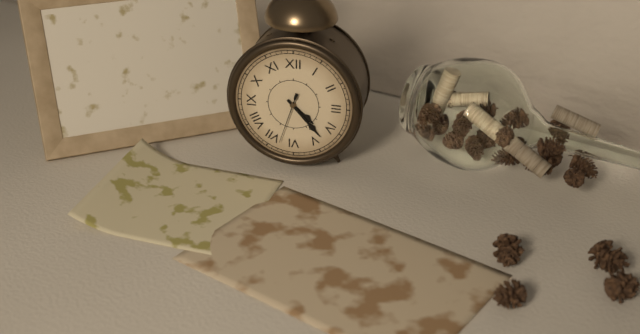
{"hour": 4, "minute": 23}
